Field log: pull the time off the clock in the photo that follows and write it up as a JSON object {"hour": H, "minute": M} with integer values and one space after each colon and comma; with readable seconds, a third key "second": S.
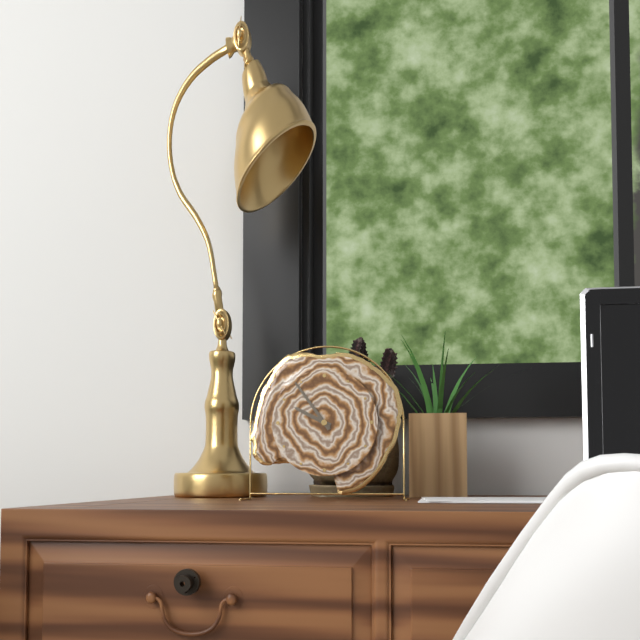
{"hour": 9, "minute": 54}
